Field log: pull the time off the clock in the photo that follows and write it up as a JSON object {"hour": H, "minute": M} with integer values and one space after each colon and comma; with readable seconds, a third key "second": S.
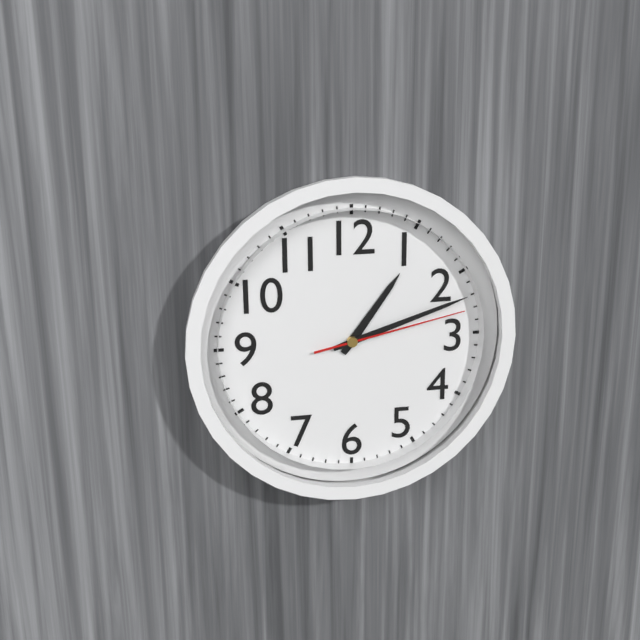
{"hour": 1, "minute": 12, "second": 13}
